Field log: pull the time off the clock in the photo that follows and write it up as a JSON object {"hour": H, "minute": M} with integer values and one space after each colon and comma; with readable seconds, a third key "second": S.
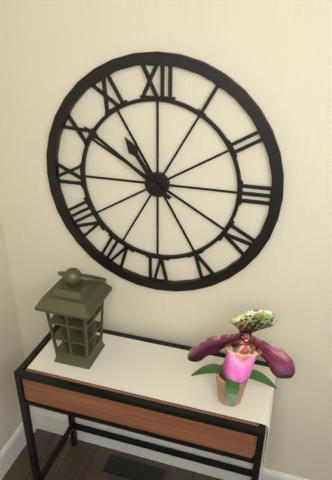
{"hour": 10, "minute": 51}
